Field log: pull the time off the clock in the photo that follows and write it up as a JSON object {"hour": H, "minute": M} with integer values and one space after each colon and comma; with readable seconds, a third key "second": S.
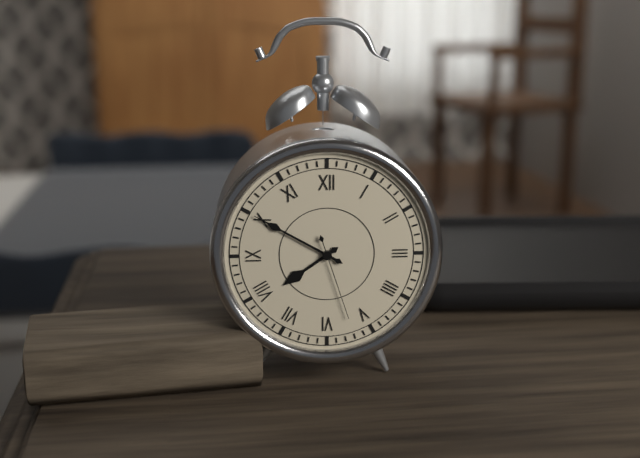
{"hour": 7, "minute": 50, "second": 27}
